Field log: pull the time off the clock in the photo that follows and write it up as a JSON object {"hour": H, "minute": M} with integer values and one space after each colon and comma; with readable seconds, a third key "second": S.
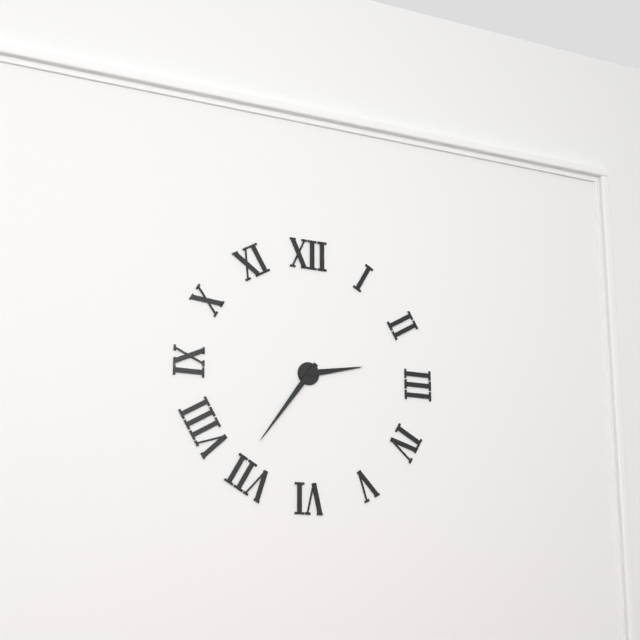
{"hour": 2, "minute": 36}
